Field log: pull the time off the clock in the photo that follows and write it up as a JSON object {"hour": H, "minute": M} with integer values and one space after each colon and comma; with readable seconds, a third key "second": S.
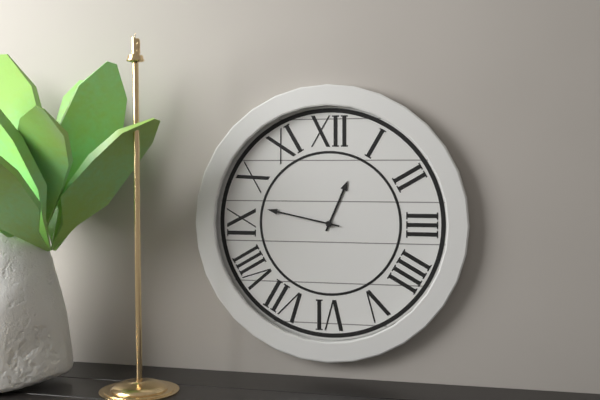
{"hour": 12, "minute": 47}
